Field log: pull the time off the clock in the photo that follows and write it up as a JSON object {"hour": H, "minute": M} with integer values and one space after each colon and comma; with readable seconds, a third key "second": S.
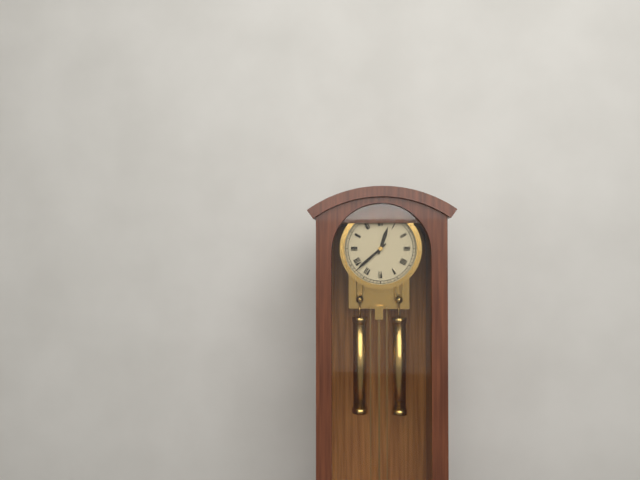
{"hour": 12, "minute": 38}
